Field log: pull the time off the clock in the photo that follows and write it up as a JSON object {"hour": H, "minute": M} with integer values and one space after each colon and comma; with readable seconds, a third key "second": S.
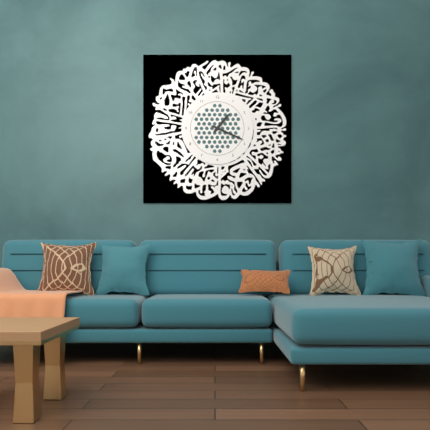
{"hour": 1, "minute": 19}
